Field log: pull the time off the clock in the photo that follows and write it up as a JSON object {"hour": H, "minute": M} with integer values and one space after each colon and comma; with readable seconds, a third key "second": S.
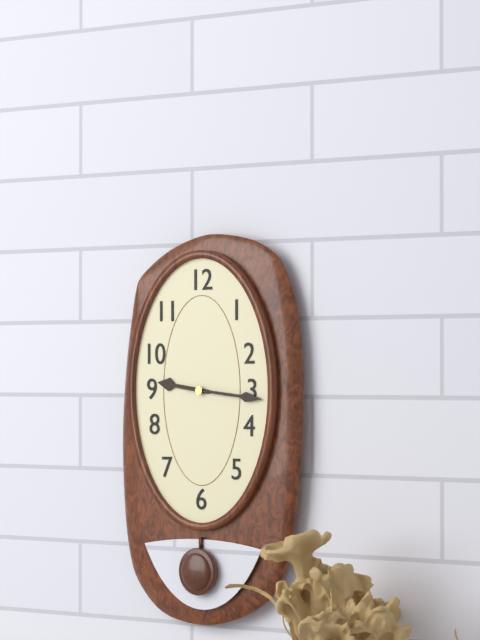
{"hour": 9, "minute": 16}
